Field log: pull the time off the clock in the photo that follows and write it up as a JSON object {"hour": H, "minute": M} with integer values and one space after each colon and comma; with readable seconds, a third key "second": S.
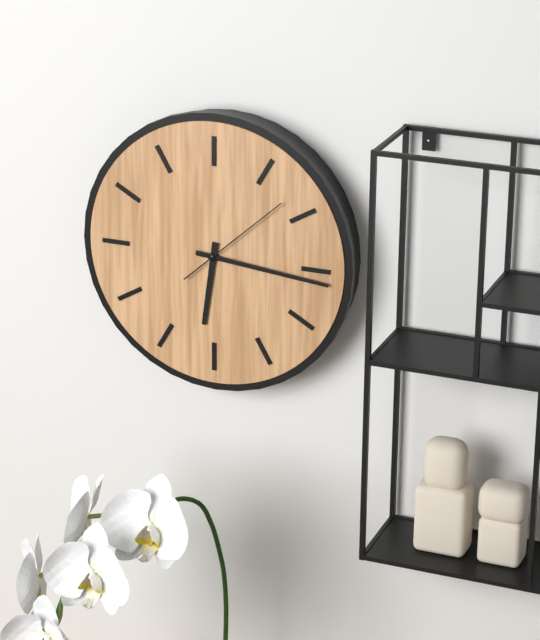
{"hour": 6, "minute": 16, "second": 8}
